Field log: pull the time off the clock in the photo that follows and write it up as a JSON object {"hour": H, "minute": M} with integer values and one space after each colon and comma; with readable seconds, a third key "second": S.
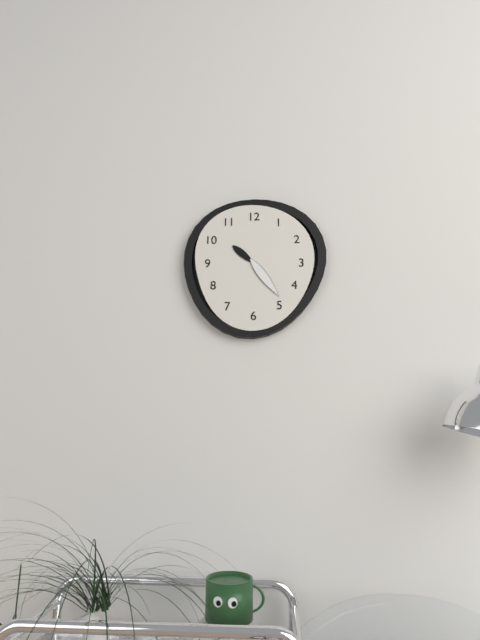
{"hour": 10, "minute": 24}
